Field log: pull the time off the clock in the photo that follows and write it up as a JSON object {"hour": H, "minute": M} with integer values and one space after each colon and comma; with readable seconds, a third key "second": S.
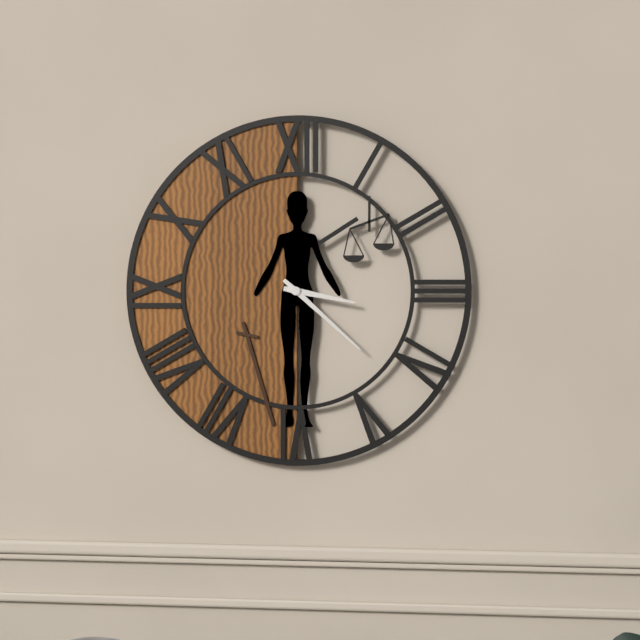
{"hour": 3, "minute": 22}
